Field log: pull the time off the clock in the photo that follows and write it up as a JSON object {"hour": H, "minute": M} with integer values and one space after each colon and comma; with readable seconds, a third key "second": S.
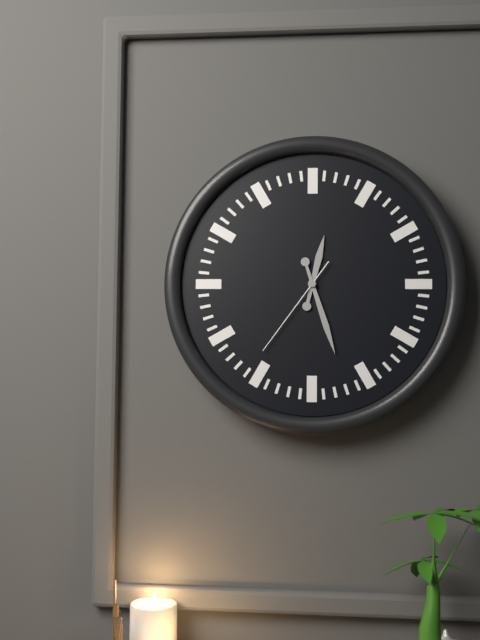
{"hour": 12, "minute": 27, "second": 36}
